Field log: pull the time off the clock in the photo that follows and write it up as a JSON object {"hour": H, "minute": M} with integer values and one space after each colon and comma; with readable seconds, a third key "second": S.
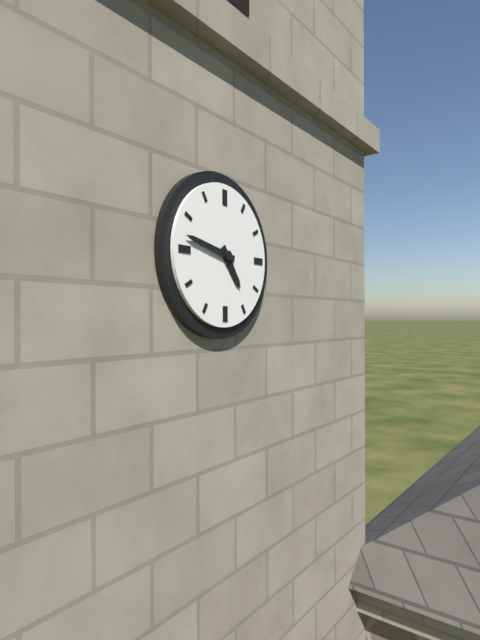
{"hour": 4, "minute": 47}
